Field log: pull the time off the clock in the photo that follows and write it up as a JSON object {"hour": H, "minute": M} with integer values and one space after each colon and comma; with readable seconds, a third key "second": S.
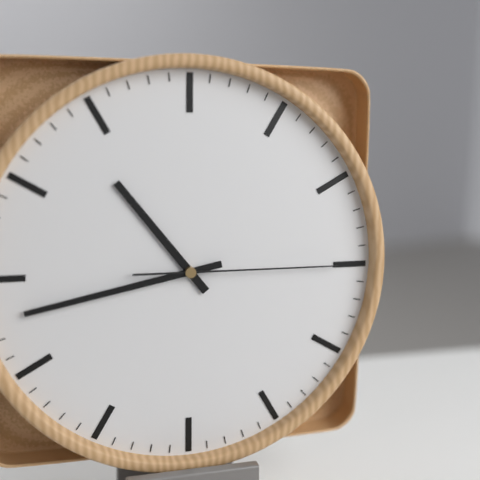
{"hour": 10, "minute": 43, "second": 15}
